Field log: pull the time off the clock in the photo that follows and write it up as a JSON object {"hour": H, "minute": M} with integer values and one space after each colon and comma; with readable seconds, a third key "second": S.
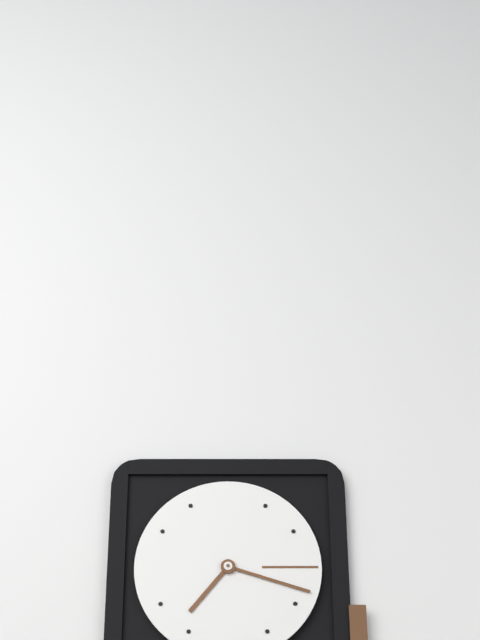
{"hour": 7, "minute": 18}
